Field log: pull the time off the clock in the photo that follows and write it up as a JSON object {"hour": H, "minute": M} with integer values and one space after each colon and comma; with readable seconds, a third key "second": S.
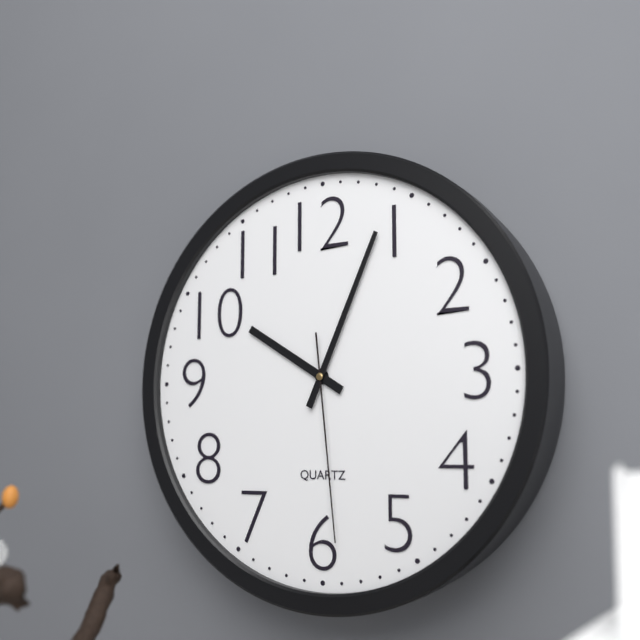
{"hour": 10, "minute": 4, "second": 29}
